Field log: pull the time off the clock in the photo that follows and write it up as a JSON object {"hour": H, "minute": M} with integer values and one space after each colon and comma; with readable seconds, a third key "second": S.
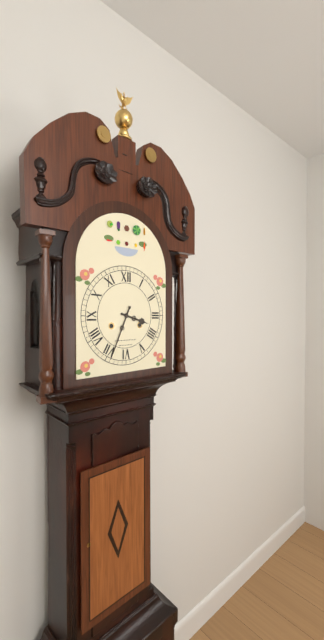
{"hour": 3, "minute": 34}
